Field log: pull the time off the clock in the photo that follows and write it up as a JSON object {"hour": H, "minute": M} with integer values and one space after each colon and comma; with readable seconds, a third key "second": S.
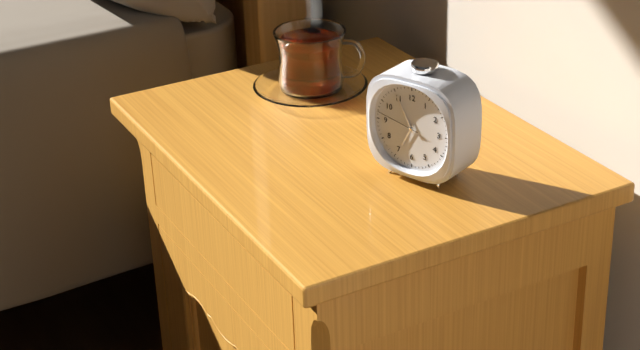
{"hour": 6, "minute": 55}
